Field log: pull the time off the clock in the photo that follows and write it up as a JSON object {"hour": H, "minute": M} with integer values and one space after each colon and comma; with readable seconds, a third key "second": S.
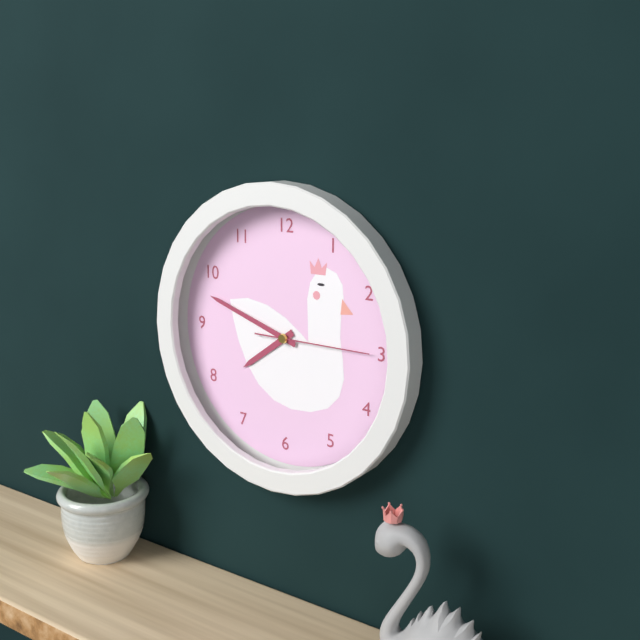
{"hour": 7, "minute": 48, "second": 15}
